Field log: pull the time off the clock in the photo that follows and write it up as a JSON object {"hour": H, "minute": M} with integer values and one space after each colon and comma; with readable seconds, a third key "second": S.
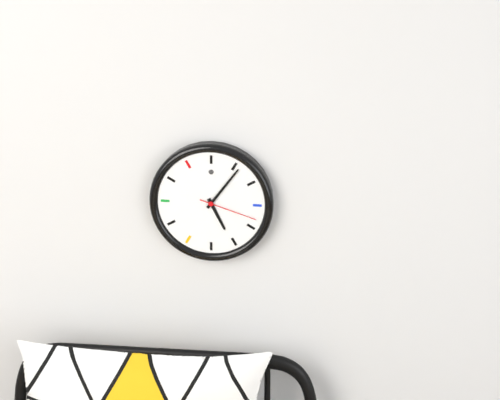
{"hour": 5, "minute": 6, "second": 18}
